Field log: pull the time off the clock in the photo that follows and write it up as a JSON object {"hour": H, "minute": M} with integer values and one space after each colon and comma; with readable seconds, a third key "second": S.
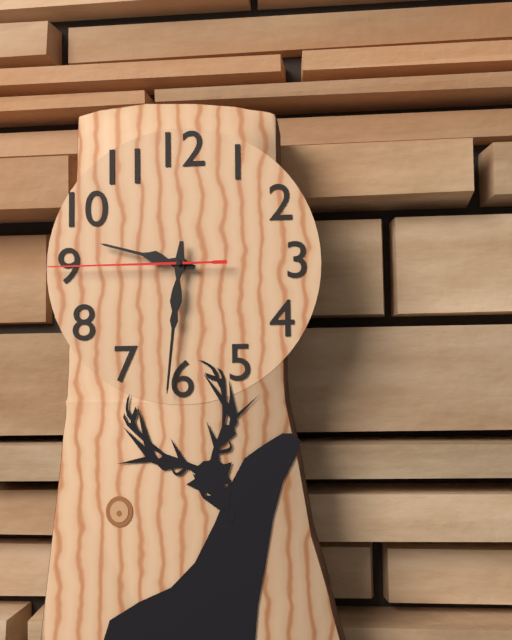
{"hour": 9, "minute": 31, "second": 45}
